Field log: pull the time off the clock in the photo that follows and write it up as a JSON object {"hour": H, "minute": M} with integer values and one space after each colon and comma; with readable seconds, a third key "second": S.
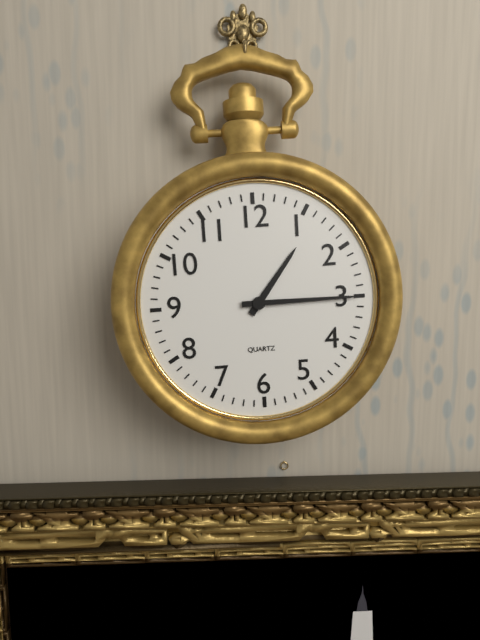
{"hour": 1, "minute": 15}
